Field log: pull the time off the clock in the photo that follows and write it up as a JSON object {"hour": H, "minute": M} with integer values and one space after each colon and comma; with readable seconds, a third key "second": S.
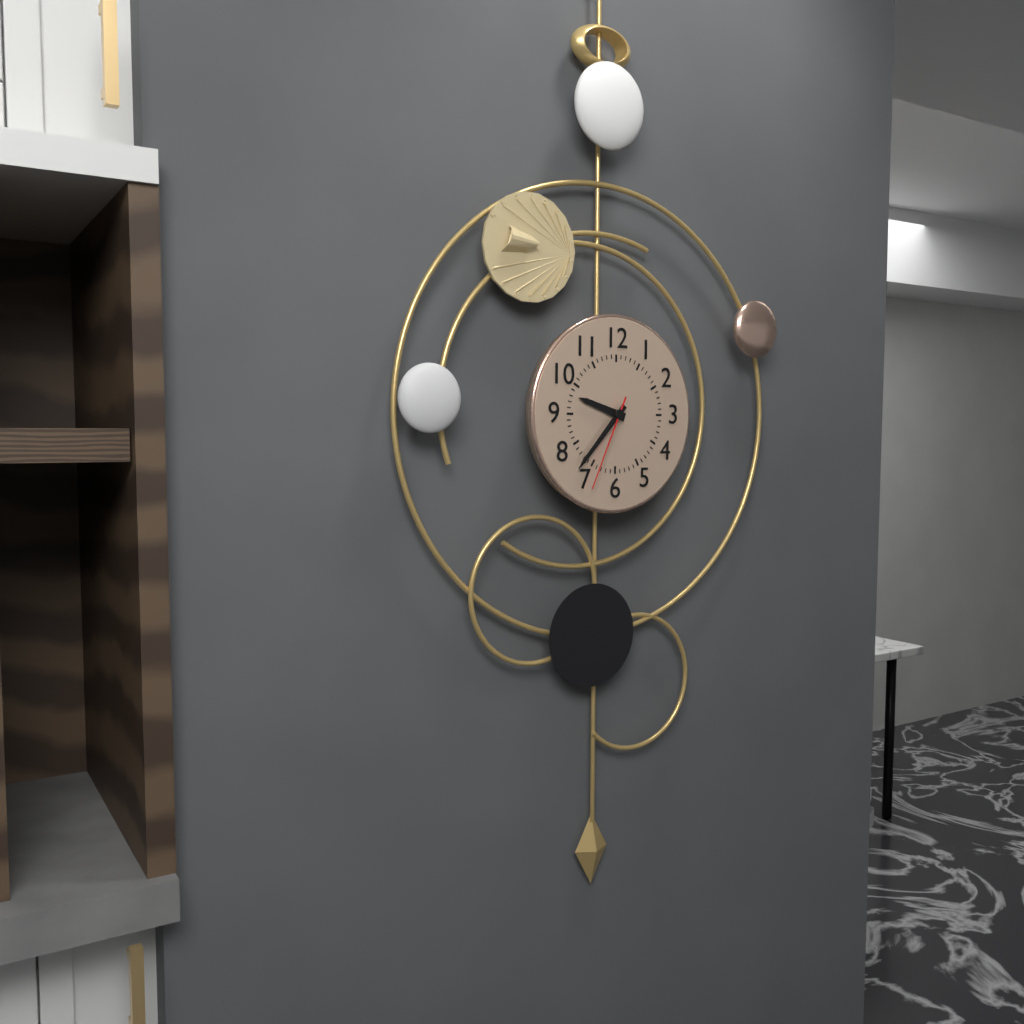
{"hour": 9, "minute": 37, "second": 34}
